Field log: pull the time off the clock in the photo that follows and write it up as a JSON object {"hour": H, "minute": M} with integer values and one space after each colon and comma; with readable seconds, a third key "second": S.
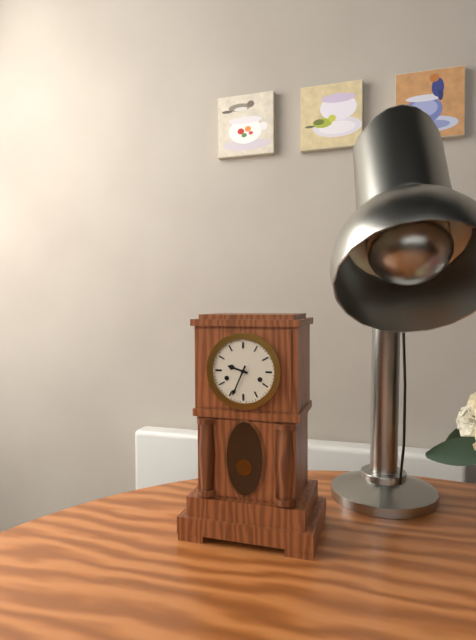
{"hour": 9, "minute": 34}
